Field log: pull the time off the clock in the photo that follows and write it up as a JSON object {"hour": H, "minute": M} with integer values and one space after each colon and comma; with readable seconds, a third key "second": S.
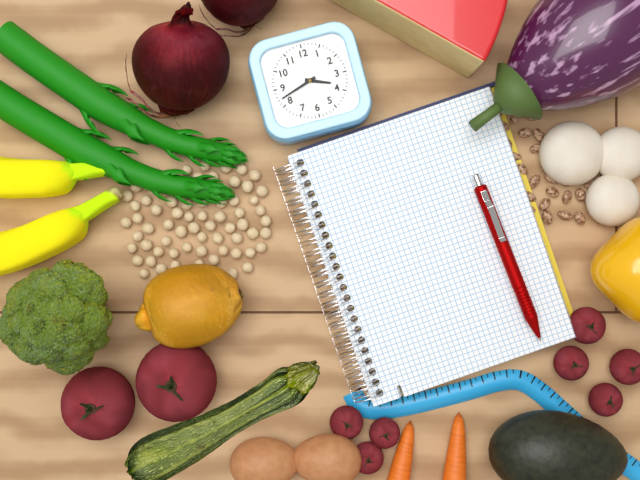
{"hour": 3, "minute": 42}
